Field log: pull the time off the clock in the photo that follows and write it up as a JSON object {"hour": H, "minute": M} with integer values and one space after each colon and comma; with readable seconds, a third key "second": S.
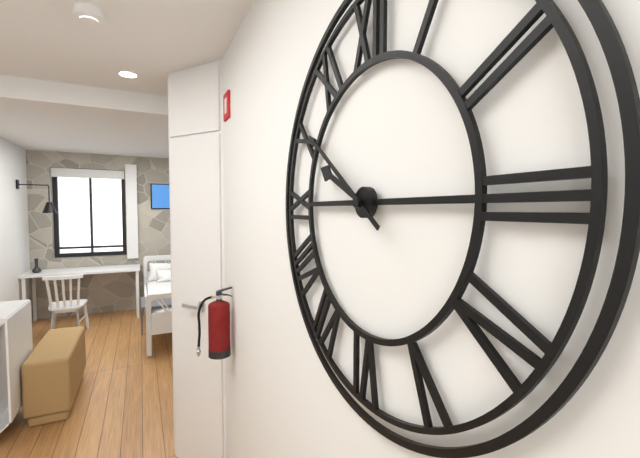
{"hour": 9, "minute": 51}
